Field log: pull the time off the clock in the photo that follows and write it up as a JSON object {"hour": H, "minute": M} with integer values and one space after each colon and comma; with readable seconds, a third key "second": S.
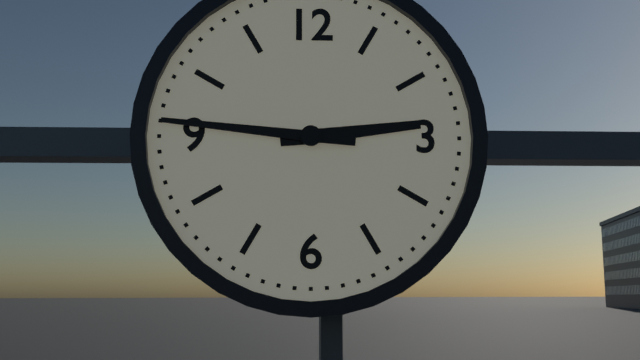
{"hour": 2, "minute": 46}
